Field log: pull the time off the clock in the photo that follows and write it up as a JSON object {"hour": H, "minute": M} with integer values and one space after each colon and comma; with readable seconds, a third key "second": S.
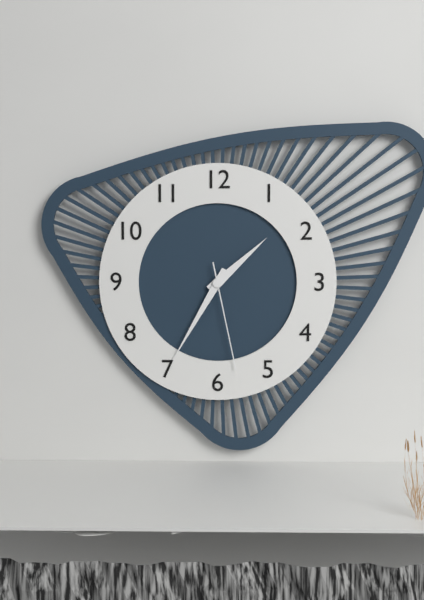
{"hour": 1, "minute": 35, "second": 28}
